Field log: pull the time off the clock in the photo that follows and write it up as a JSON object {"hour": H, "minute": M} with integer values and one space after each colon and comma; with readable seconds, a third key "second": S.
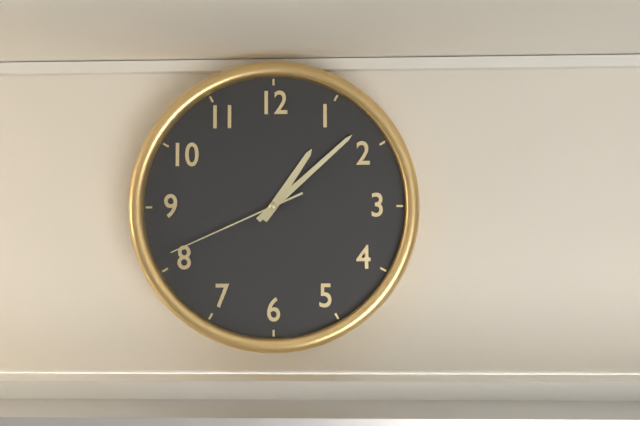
{"hour": 1, "minute": 8, "second": 41}
